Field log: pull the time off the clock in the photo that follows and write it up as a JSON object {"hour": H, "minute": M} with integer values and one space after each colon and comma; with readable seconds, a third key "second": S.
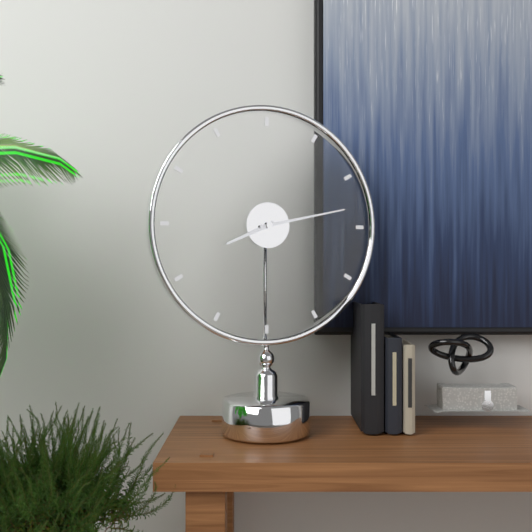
{"hour": 8, "minute": 13}
